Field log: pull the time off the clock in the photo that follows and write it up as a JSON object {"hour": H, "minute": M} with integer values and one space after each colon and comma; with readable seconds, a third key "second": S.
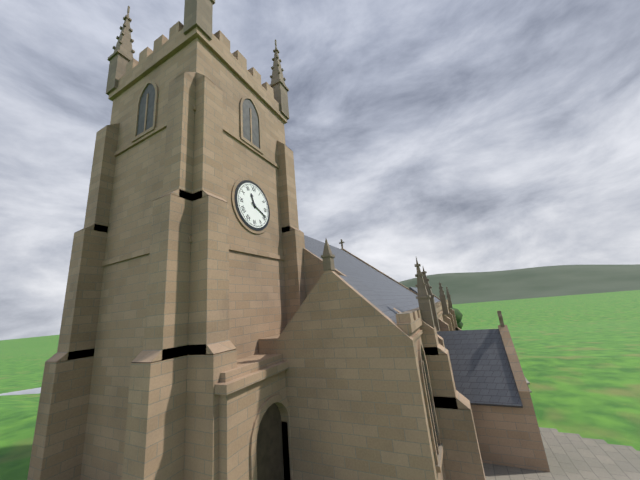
{"hour": 11, "minute": 19}
